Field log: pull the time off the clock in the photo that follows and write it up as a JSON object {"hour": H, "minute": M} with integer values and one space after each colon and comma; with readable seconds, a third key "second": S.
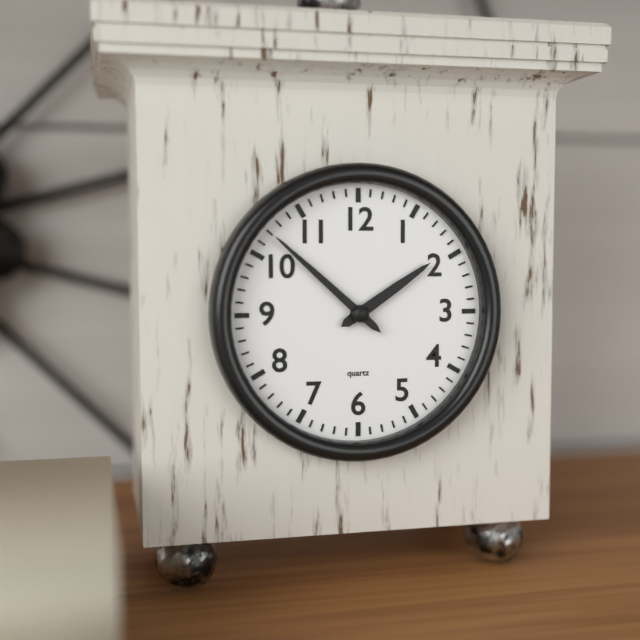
{"hour": 1, "minute": 52}
